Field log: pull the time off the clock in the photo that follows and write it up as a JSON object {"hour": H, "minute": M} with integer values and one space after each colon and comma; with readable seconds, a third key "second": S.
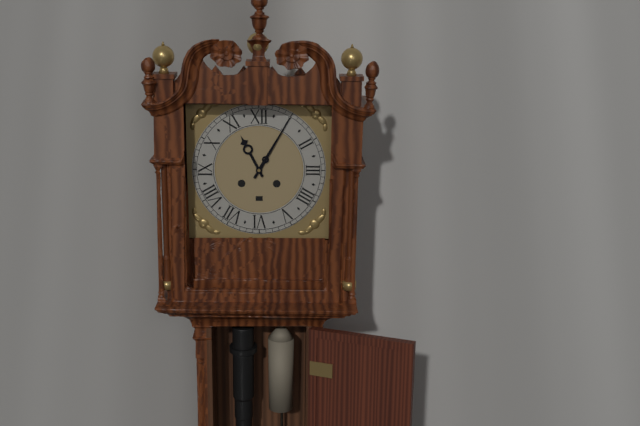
{"hour": 11, "minute": 5}
